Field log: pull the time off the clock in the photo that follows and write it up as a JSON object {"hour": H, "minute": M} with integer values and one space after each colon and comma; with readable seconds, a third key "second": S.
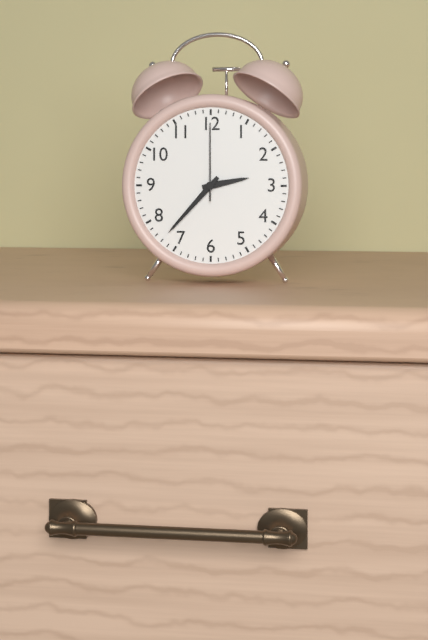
{"hour": 2, "minute": 37, "second": 0}
